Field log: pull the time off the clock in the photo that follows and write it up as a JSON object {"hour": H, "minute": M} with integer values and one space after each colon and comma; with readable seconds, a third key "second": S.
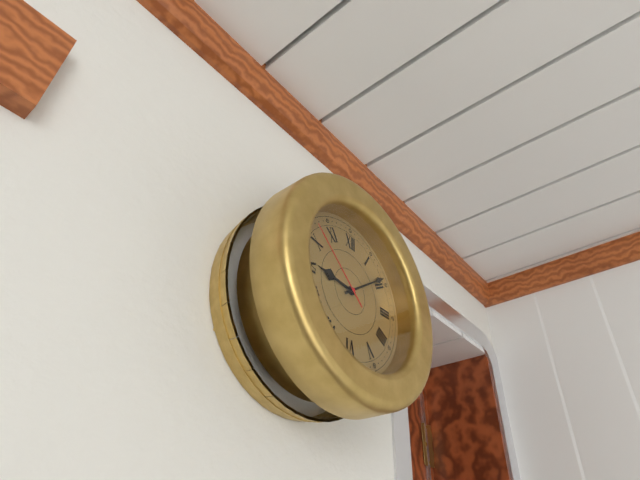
{"hour": 9, "minute": 9, "second": 52}
